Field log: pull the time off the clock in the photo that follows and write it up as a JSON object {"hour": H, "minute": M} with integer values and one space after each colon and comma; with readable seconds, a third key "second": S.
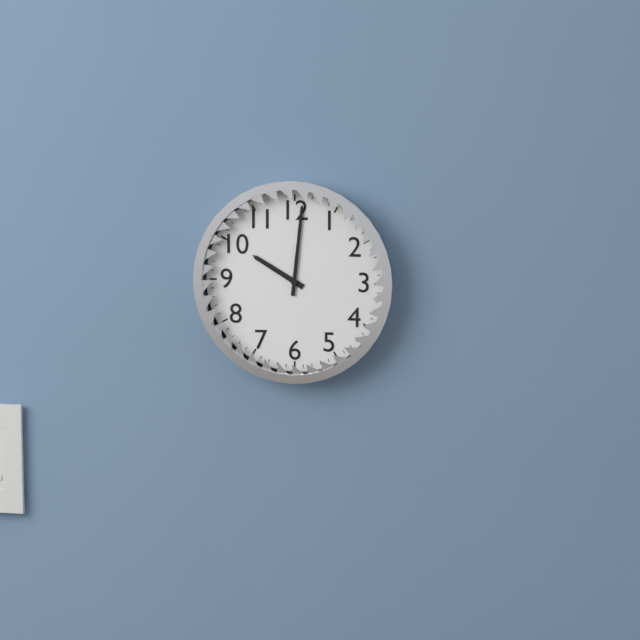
{"hour": 10, "minute": 1}
